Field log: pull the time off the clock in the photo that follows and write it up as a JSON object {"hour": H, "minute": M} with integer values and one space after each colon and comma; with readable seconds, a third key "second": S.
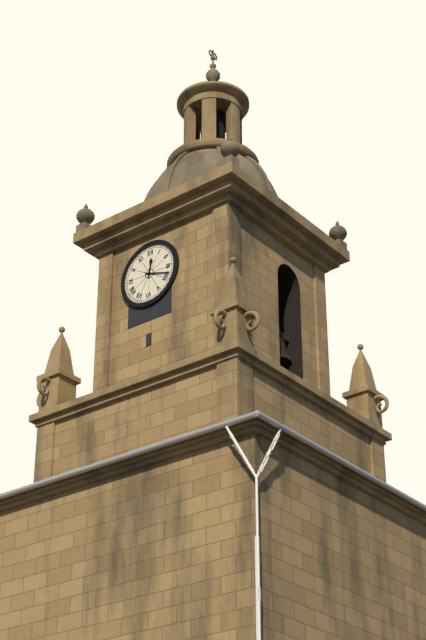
{"hour": 12, "minute": 18}
